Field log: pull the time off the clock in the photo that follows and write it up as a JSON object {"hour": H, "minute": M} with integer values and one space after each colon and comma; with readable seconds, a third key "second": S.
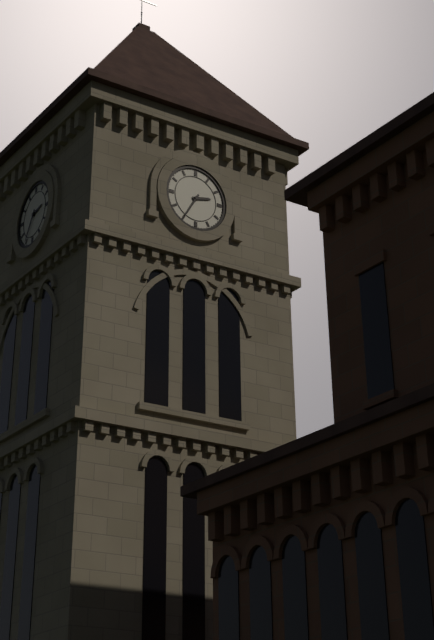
{"hour": 2, "minute": 35}
